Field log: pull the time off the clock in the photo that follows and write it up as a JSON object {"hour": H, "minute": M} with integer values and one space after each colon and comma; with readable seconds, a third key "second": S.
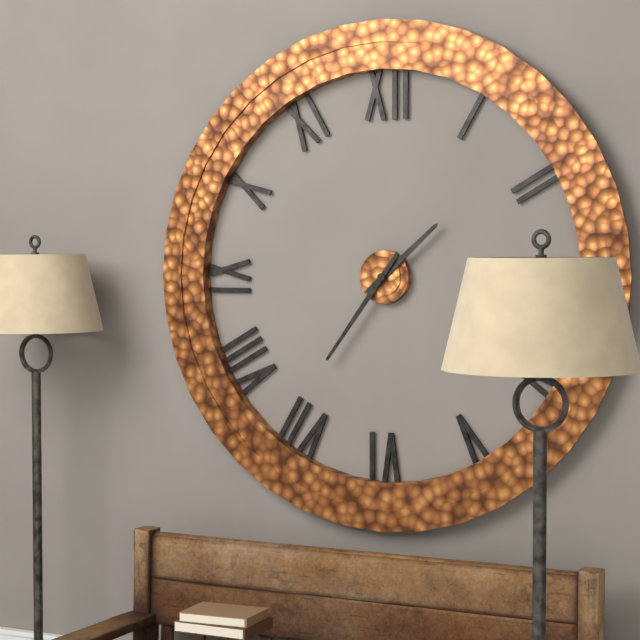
{"hour": 1, "minute": 36}
